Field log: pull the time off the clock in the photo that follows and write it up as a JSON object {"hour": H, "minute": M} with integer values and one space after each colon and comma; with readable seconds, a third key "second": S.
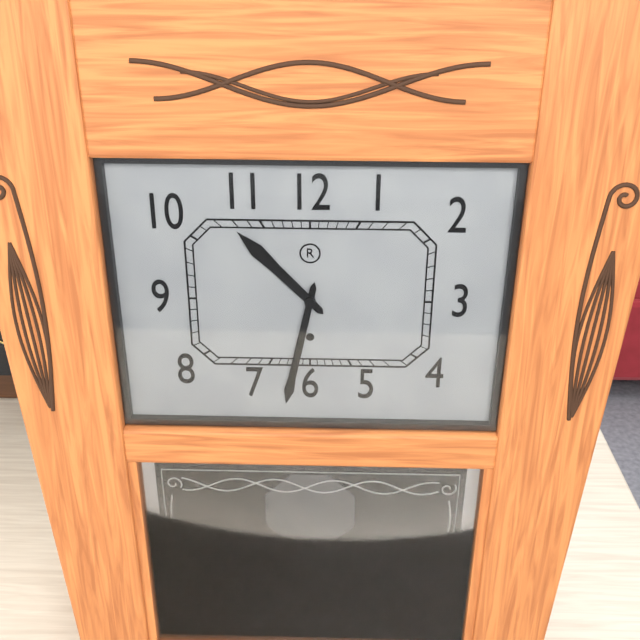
{"hour": 10, "minute": 32}
